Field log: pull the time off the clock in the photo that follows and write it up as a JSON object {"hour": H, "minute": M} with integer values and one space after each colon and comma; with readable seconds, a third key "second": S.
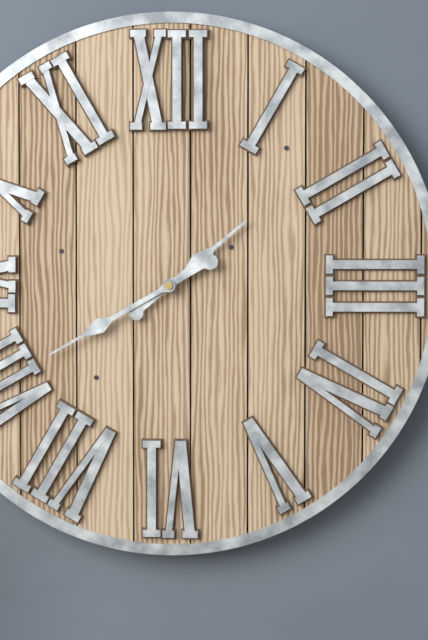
{"hour": 1, "minute": 40}
